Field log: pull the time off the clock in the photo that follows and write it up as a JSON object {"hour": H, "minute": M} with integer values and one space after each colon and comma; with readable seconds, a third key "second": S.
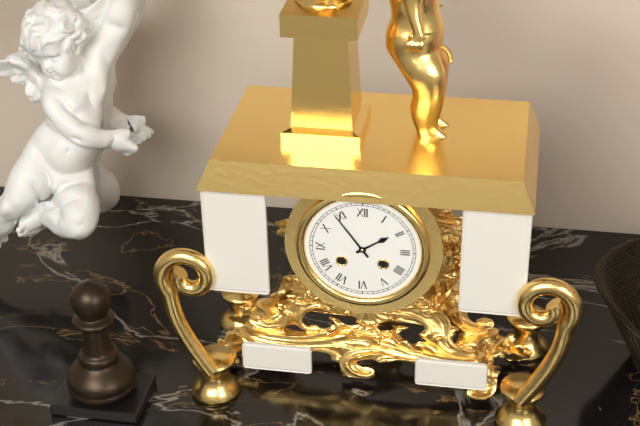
{"hour": 1, "minute": 54}
